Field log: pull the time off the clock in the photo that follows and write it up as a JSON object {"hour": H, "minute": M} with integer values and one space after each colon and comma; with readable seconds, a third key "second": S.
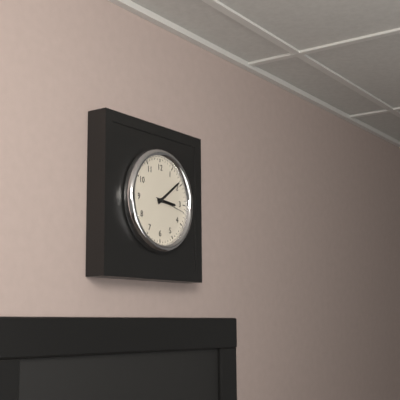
{"hour": 3, "minute": 9}
